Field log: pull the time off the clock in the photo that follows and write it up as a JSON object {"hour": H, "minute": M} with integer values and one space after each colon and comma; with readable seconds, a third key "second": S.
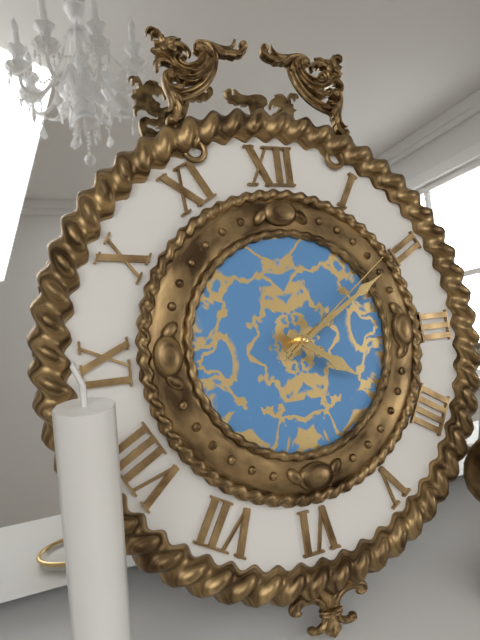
{"hour": 4, "minute": 10, "second": 9}
